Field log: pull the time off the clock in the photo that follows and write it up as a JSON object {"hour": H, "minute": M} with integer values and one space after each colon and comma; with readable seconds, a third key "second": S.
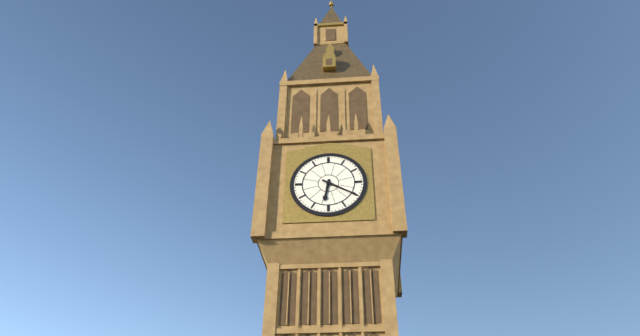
{"hour": 6, "minute": 20}
